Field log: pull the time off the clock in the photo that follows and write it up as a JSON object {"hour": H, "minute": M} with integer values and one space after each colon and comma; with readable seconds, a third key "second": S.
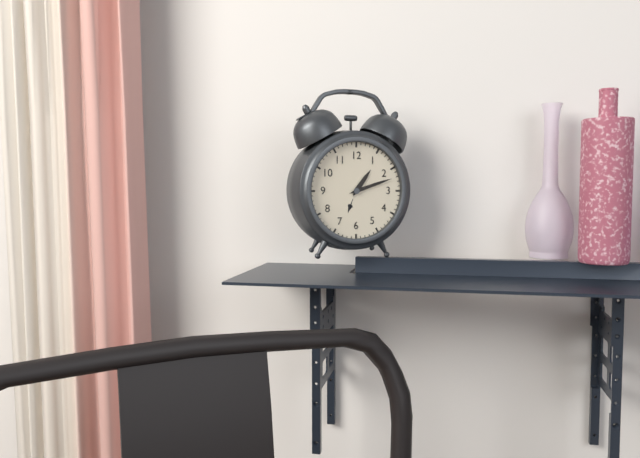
{"hour": 1, "minute": 12}
